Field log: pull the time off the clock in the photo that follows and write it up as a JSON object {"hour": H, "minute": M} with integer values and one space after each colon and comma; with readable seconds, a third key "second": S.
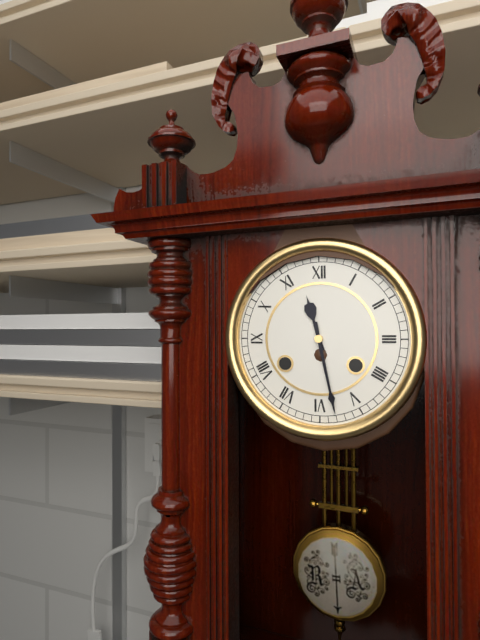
{"hour": 11, "minute": 28}
